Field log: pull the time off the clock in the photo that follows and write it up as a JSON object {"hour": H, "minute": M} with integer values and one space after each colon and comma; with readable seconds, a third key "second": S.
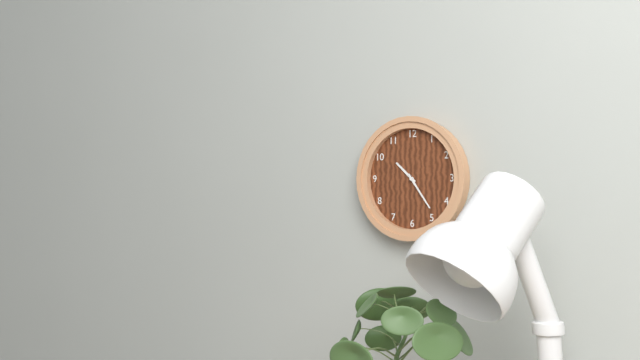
{"hour": 10, "minute": 24}
